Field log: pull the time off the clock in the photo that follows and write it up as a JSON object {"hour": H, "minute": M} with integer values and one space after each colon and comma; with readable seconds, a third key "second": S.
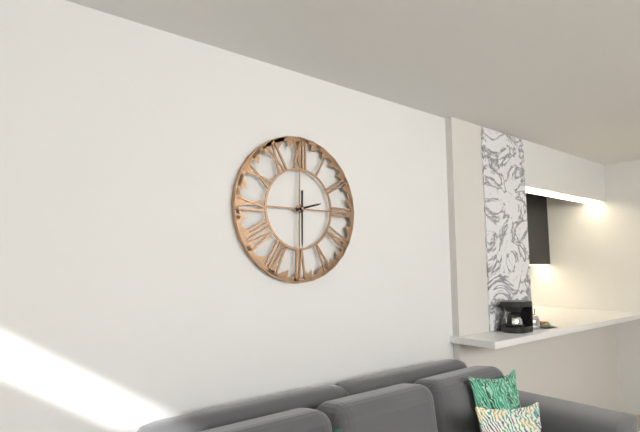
{"hour": 2, "minute": 30}
